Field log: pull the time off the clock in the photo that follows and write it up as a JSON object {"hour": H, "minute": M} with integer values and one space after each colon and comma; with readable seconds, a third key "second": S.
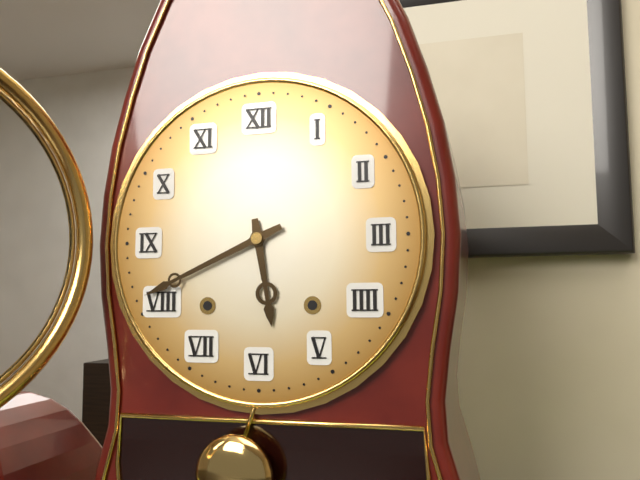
{"hour": 5, "minute": 41}
